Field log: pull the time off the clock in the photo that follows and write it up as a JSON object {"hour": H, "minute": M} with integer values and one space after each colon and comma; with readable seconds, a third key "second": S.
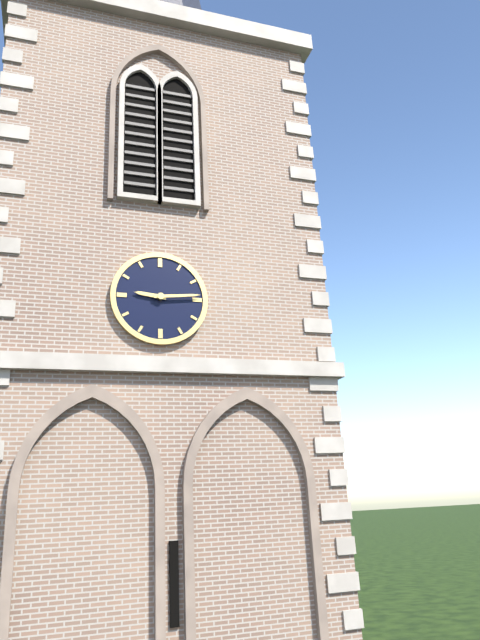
{"hour": 9, "minute": 14}
